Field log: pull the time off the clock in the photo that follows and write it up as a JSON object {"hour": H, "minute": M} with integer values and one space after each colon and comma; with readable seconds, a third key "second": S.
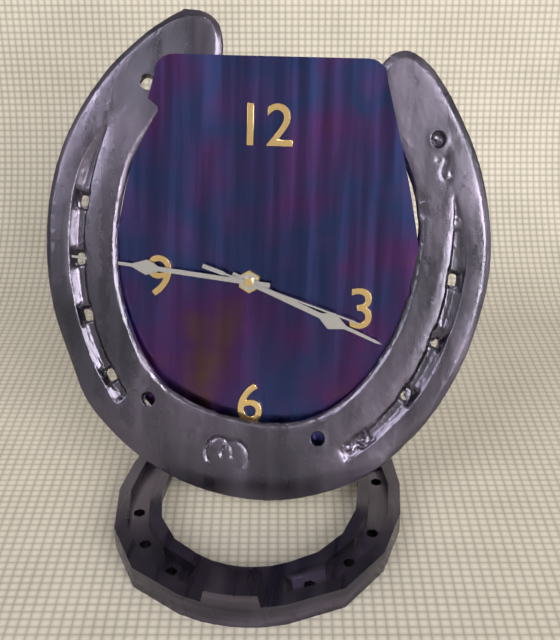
{"hour": 3, "minute": 46, "second": 18}
